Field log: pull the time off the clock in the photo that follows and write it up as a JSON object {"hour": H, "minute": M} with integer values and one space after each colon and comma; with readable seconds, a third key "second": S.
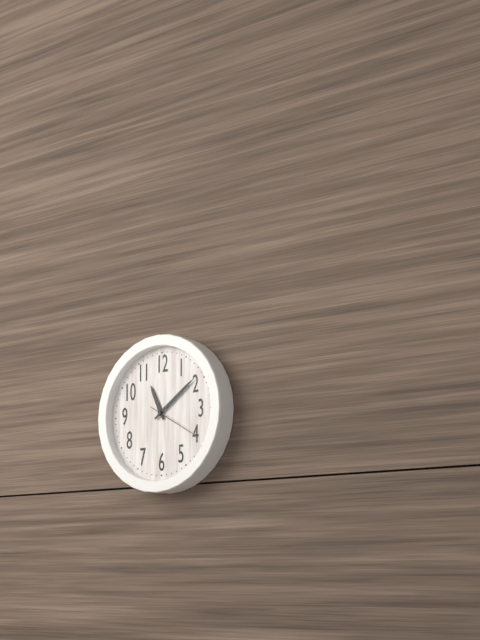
{"hour": 11, "minute": 9, "second": 20}
